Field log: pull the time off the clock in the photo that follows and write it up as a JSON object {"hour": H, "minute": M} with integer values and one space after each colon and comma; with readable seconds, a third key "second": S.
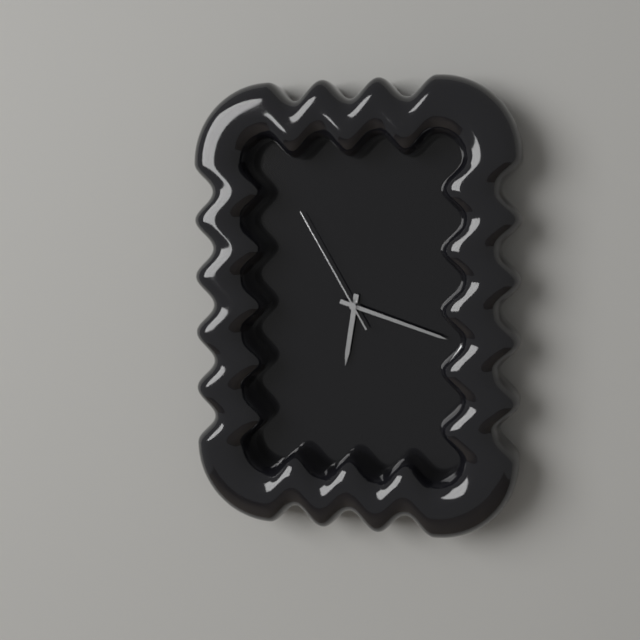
{"hour": 6, "minute": 18, "second": 55}
